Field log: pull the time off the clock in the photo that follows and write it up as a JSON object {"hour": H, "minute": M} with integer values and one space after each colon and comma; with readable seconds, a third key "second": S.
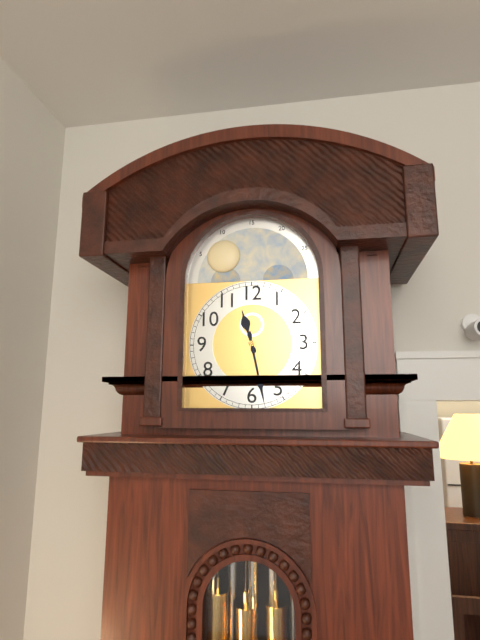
{"hour": 11, "minute": 28}
